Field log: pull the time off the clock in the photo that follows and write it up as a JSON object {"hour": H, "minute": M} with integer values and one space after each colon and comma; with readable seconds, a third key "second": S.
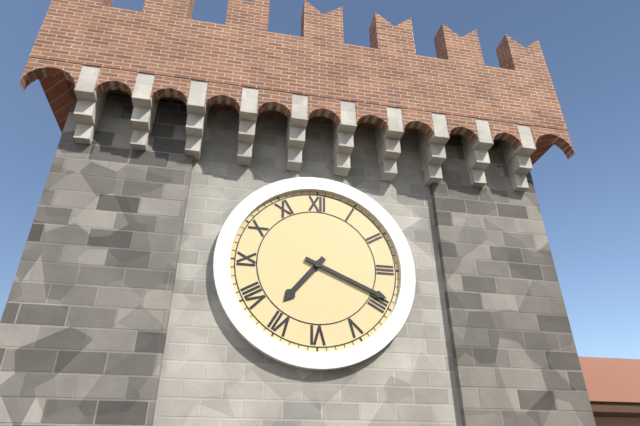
{"hour": 7, "minute": 19}
